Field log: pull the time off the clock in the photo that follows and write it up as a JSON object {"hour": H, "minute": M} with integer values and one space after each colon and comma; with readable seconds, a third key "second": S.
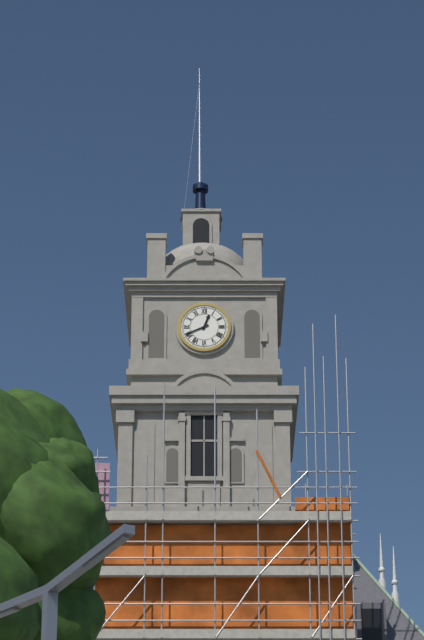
{"hour": 12, "minute": 41}
